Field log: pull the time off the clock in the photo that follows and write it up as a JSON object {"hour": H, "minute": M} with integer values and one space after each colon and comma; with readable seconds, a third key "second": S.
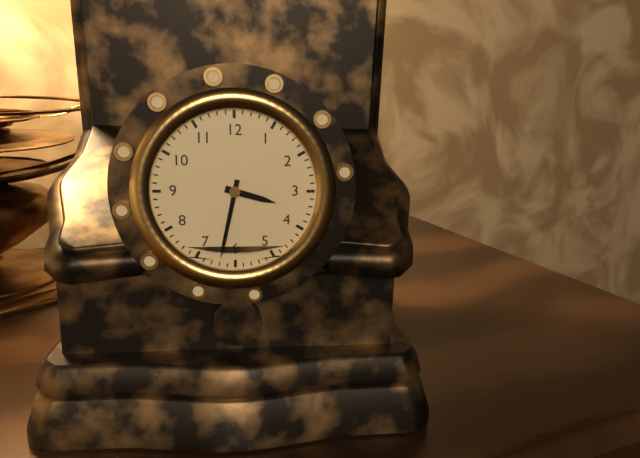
{"hour": 3, "minute": 32}
